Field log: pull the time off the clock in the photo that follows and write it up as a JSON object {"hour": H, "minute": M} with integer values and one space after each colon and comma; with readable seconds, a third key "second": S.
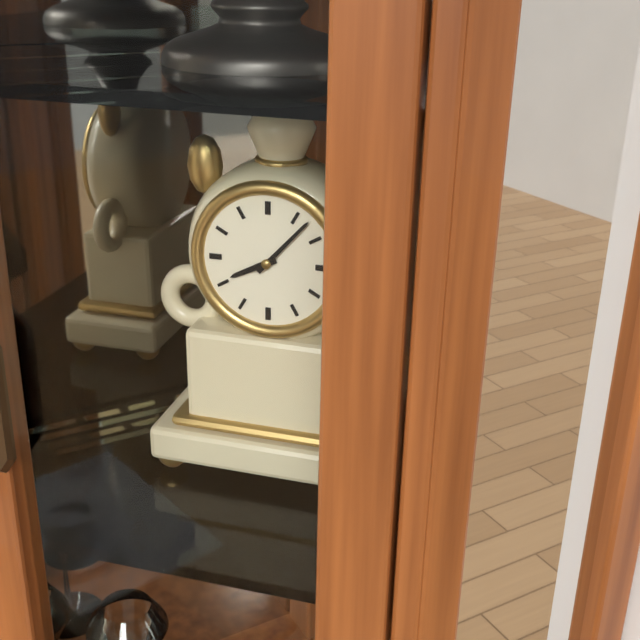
{"hour": 8, "minute": 7}
